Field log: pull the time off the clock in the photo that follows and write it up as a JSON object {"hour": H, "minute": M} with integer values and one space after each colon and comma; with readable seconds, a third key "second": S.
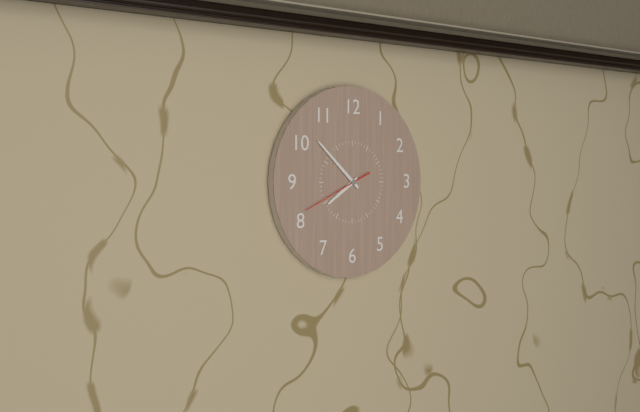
{"hour": 7, "minute": 52, "second": 41}
